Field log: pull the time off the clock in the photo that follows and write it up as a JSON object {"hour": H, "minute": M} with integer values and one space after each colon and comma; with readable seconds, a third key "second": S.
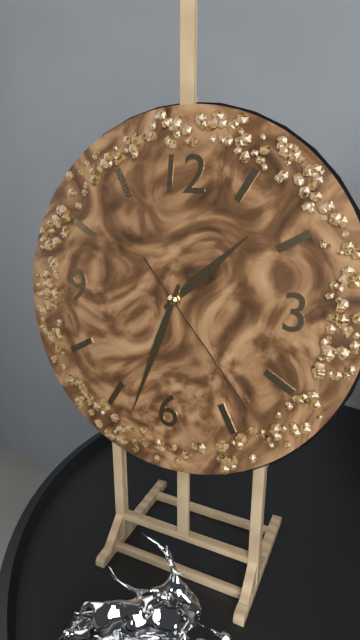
{"hour": 1, "minute": 33, "second": 23}
